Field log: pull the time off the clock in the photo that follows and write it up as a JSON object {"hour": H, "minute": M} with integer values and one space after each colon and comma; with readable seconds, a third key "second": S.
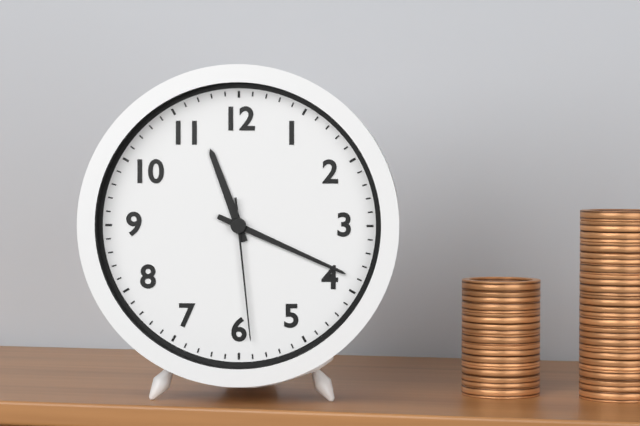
{"hour": 11, "minute": 19, "second": 29}
